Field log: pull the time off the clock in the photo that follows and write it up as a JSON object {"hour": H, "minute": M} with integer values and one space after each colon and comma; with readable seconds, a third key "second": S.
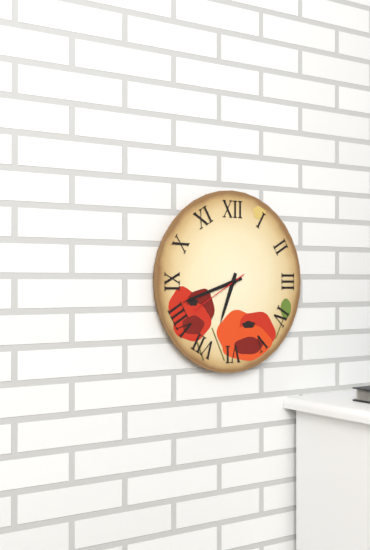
{"hour": 6, "minute": 42, "second": 40}
